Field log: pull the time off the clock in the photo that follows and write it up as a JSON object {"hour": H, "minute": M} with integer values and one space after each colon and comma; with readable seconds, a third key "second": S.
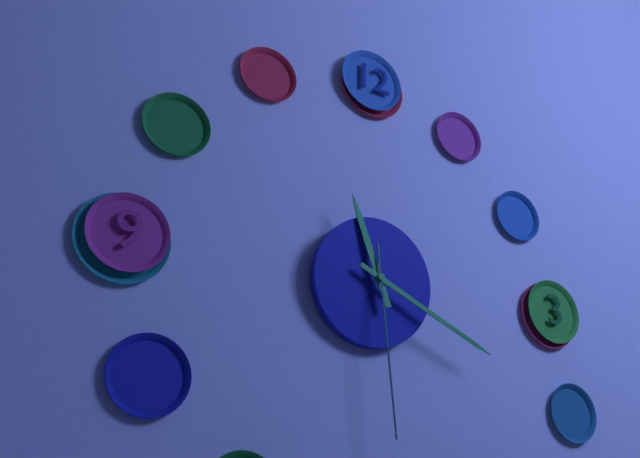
{"hour": 11, "minute": 19, "second": 29}
